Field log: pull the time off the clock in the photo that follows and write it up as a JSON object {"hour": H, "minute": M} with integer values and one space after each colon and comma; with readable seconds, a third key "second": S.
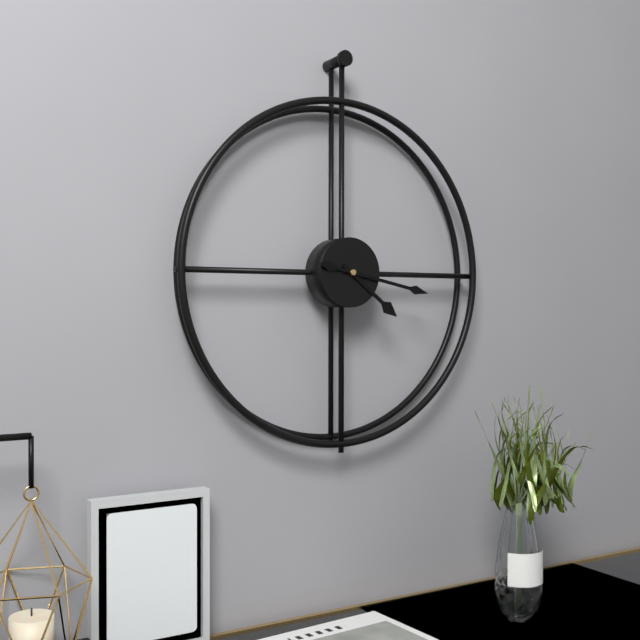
{"hour": 4, "minute": 17}
